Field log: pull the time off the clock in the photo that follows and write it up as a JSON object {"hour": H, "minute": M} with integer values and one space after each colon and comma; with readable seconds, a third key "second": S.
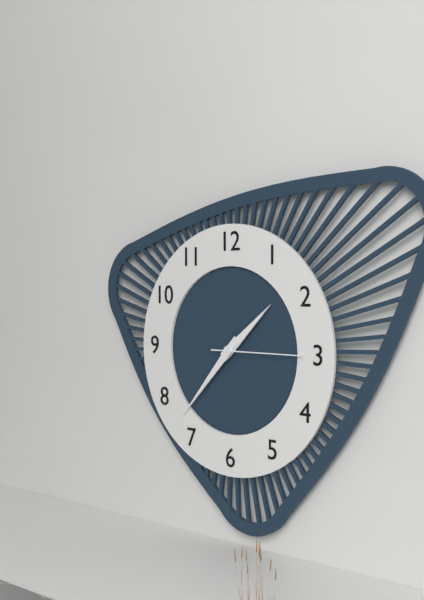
{"hour": 1, "minute": 37, "second": 15}
